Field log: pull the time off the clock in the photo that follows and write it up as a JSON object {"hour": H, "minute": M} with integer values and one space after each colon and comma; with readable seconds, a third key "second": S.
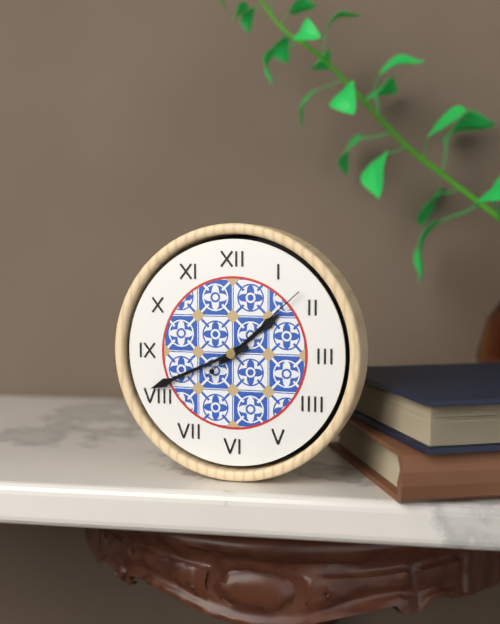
{"hour": 1, "minute": 41, "second": 8}
